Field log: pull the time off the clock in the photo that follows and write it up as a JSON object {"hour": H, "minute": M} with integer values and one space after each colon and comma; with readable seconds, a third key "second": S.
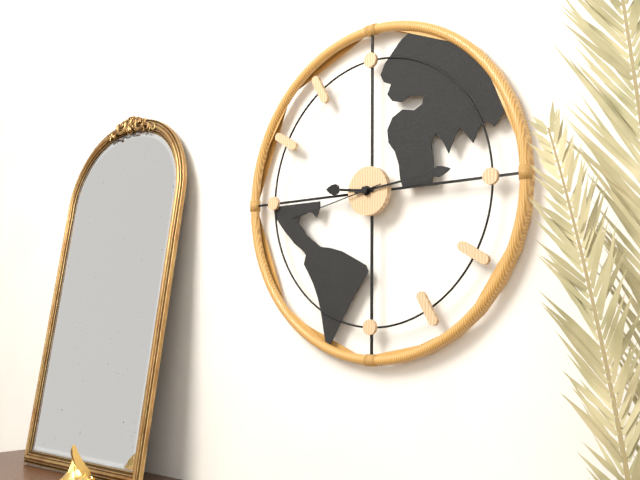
{"hour": 9, "minute": 14, "second": 43}
